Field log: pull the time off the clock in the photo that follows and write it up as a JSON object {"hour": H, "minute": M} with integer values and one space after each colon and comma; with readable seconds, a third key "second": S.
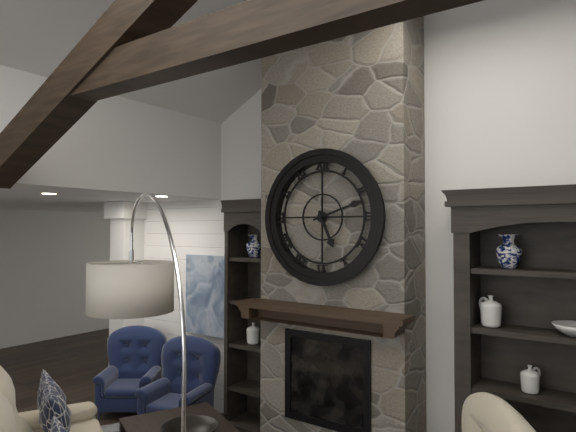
{"hour": 5, "minute": 12}
